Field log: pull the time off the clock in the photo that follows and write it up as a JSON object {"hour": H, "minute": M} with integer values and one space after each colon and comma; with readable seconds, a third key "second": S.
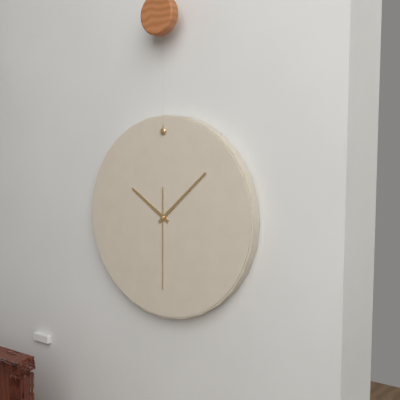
{"hour": 10, "minute": 8, "second": 30}
